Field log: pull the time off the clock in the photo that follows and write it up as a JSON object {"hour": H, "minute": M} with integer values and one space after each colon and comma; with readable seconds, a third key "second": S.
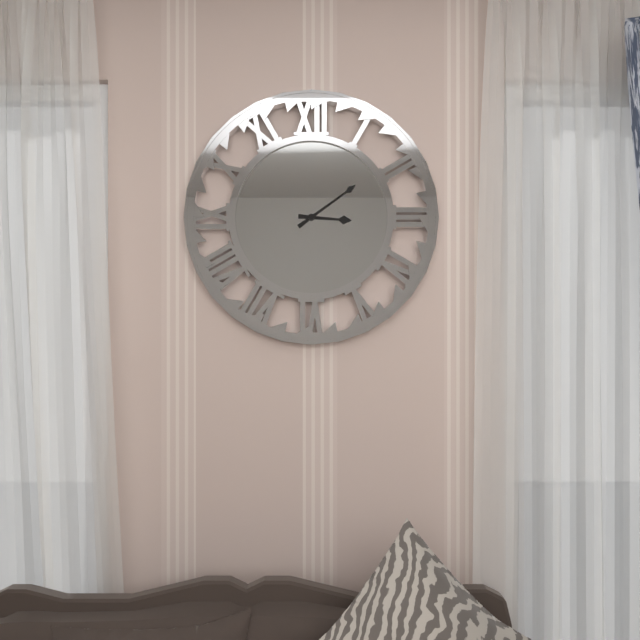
{"hour": 3, "minute": 9}
